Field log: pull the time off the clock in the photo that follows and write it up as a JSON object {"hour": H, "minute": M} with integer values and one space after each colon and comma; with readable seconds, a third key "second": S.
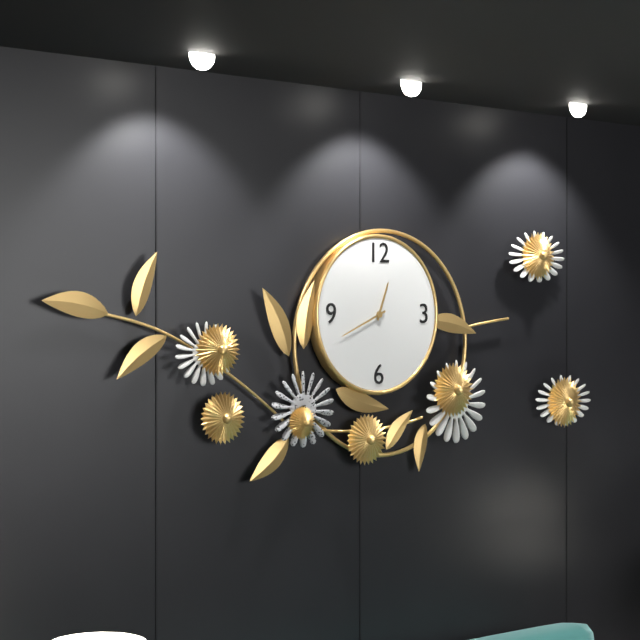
{"hour": 12, "minute": 41}
